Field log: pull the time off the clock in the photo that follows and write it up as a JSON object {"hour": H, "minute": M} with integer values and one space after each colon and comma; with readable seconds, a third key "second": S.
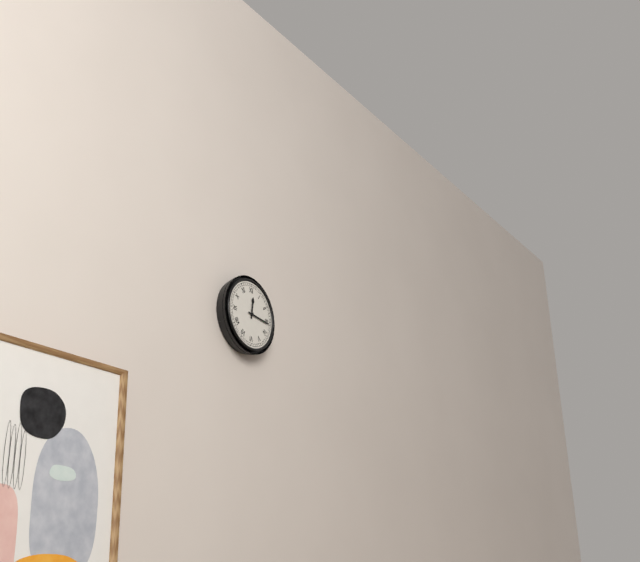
{"hour": 12, "minute": 16}
